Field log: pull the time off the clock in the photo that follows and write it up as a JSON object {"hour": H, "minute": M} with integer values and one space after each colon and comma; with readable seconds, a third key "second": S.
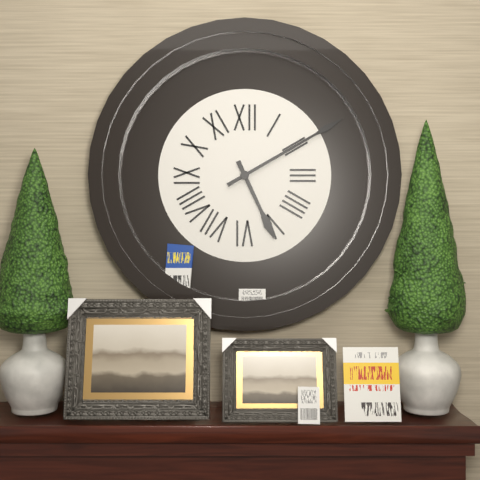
{"hour": 5, "minute": 10}
